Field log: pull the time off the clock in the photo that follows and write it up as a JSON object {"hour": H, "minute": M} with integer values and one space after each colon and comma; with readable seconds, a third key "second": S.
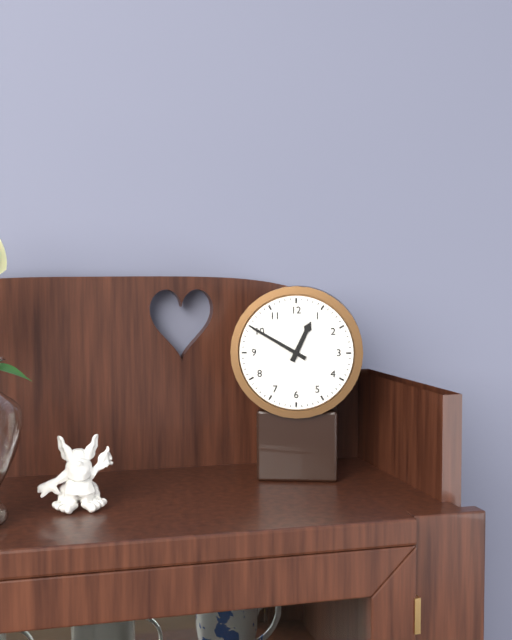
{"hour": 12, "minute": 50}
